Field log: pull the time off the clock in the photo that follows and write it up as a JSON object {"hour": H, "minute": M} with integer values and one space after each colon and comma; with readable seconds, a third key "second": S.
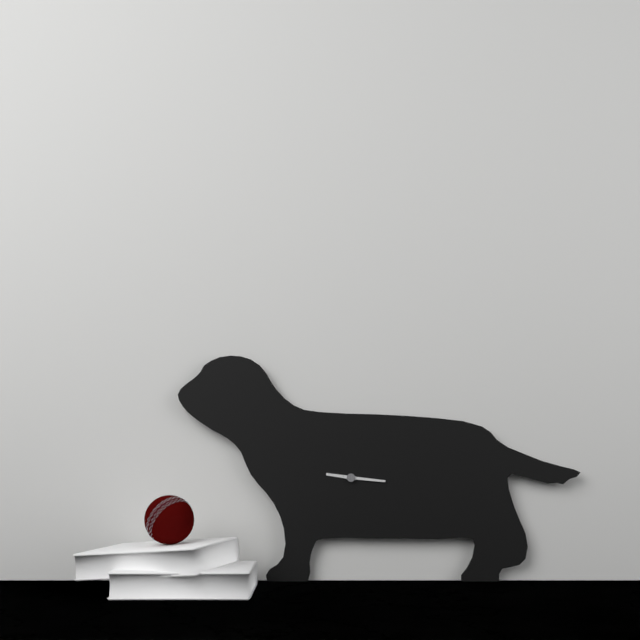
{"hour": 9, "minute": 16}
